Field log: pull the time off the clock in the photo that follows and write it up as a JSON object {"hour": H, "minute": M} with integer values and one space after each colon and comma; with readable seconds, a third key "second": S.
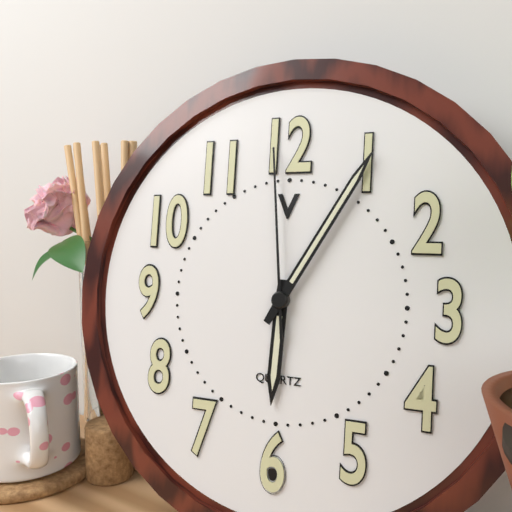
{"hour": 6, "minute": 5, "second": 59}
